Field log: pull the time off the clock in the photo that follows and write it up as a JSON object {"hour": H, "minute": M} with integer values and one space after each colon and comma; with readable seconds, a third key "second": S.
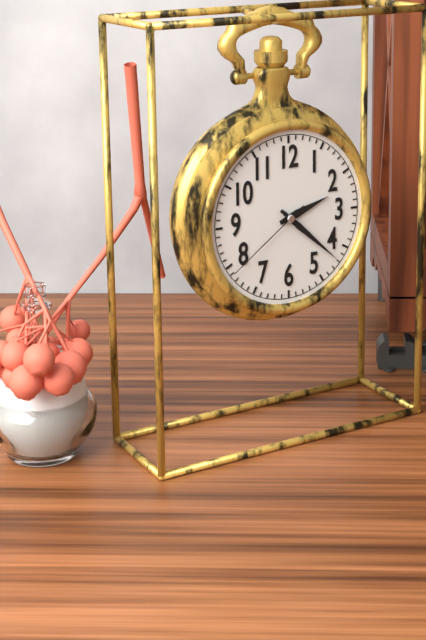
{"hour": 2, "minute": 22, "second": 39}
